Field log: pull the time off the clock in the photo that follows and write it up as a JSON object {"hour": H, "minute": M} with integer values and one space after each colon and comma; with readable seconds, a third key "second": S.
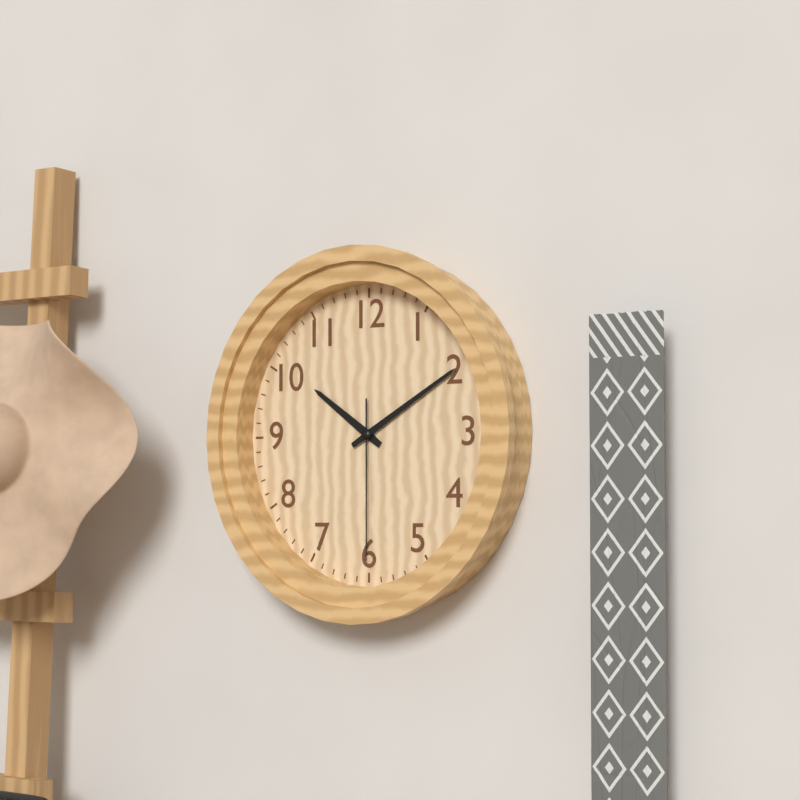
{"hour": 10, "minute": 10, "second": 30}
